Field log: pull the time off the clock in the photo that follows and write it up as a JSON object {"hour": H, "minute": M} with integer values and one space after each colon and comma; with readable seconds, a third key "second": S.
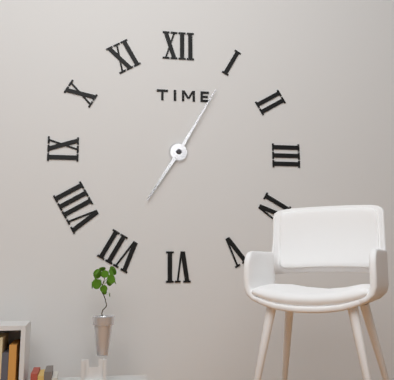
{"hour": 7, "minute": 5}
